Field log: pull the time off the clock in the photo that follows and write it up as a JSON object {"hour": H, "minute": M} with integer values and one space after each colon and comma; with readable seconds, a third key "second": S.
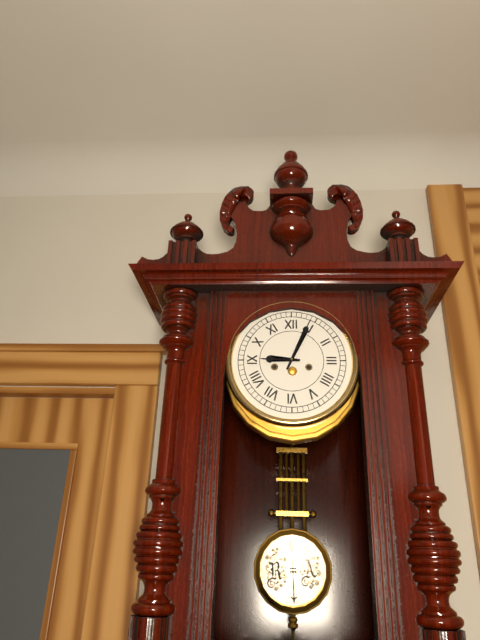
{"hour": 9, "minute": 4}
